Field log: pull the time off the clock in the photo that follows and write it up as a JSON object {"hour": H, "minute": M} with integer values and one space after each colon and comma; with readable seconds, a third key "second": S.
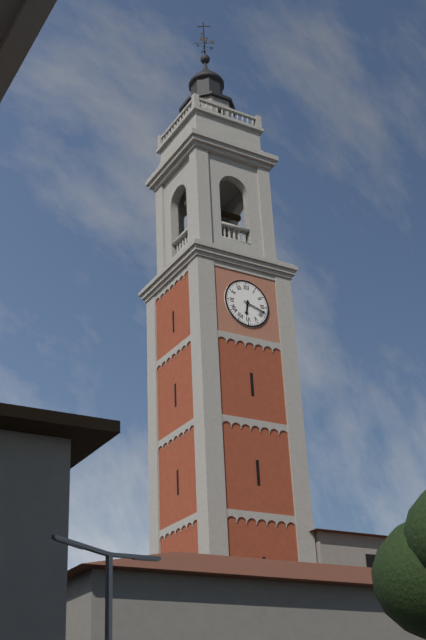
{"hour": 6, "minute": 18}
